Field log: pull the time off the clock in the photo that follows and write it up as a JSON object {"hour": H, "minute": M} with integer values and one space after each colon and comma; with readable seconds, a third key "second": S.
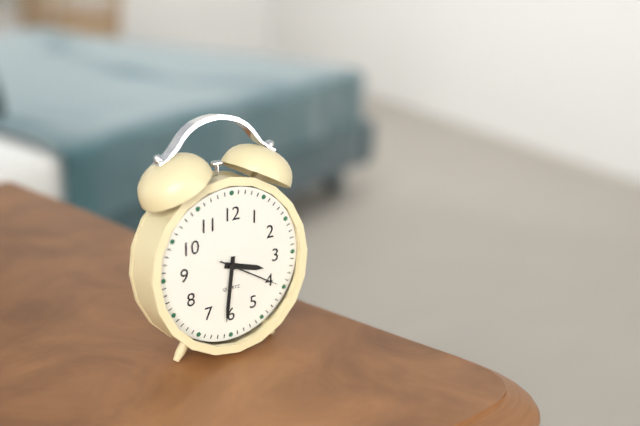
{"hour": 3, "minute": 31, "second": 20}
